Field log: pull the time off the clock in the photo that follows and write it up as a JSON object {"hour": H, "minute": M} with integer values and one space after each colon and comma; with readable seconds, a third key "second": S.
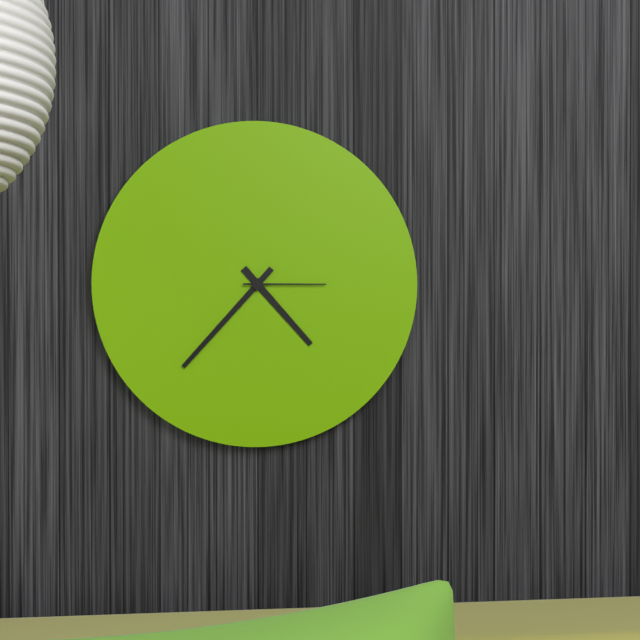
{"hour": 4, "minute": 37, "second": 15}
